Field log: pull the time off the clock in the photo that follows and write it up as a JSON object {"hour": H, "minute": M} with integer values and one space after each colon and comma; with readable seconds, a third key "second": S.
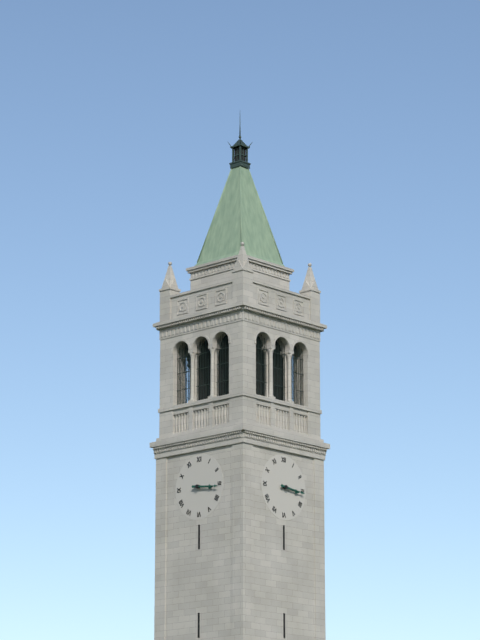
{"hour": 3, "minute": 16}
